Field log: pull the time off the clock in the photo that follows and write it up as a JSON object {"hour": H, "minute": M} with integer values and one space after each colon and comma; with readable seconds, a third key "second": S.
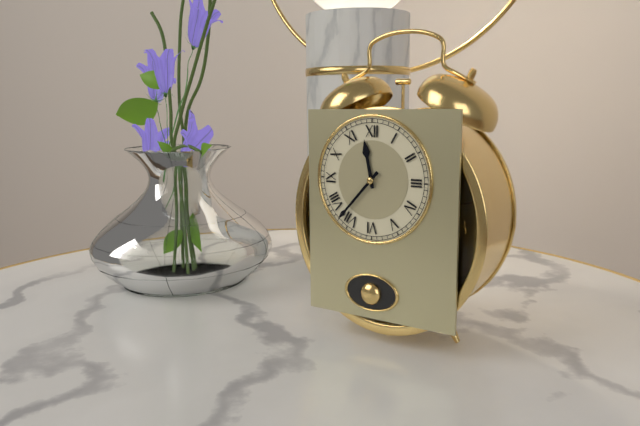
{"hour": 11, "minute": 37}
